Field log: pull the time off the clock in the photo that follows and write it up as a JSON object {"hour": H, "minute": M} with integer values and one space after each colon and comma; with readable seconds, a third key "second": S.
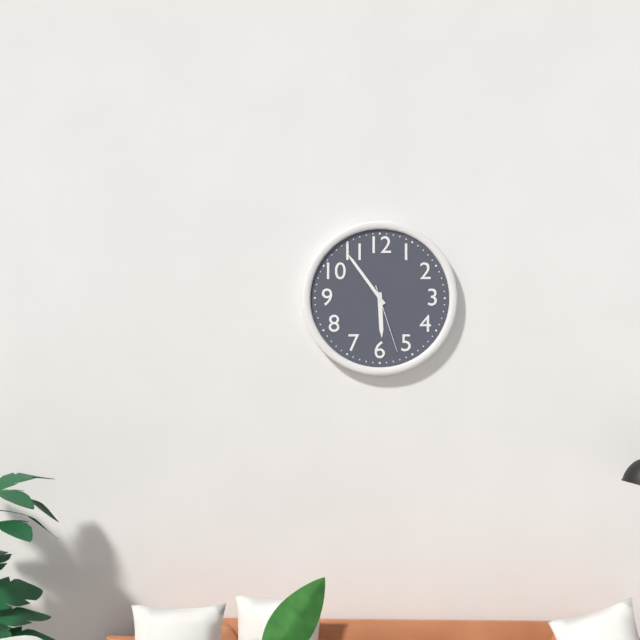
{"hour": 5, "minute": 54, "second": 27}
